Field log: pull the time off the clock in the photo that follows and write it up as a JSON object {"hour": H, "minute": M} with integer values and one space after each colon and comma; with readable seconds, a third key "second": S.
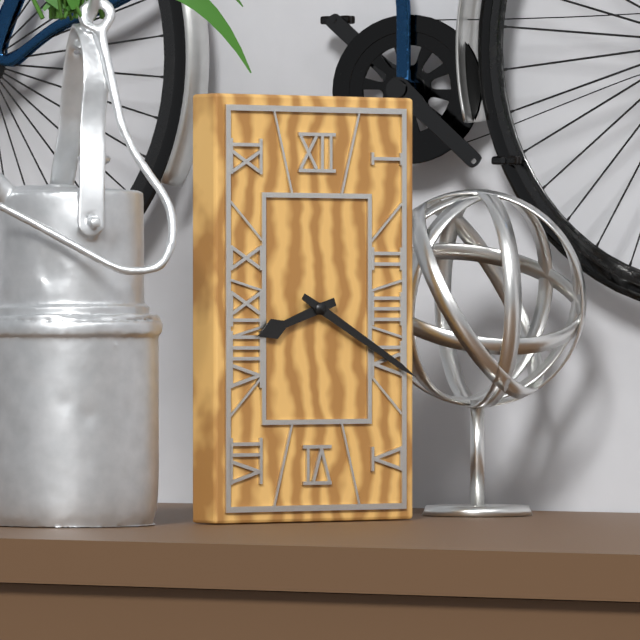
{"hour": 8, "minute": 20}
